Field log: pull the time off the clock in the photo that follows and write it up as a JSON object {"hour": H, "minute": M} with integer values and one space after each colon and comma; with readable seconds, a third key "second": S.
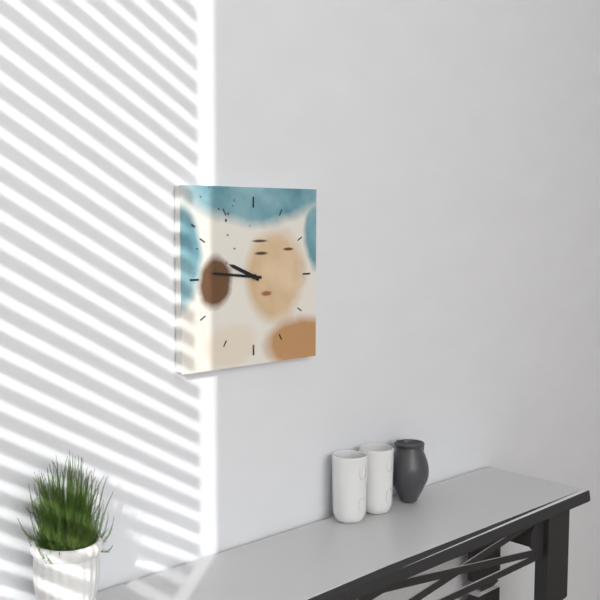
{"hour": 9, "minute": 46}
